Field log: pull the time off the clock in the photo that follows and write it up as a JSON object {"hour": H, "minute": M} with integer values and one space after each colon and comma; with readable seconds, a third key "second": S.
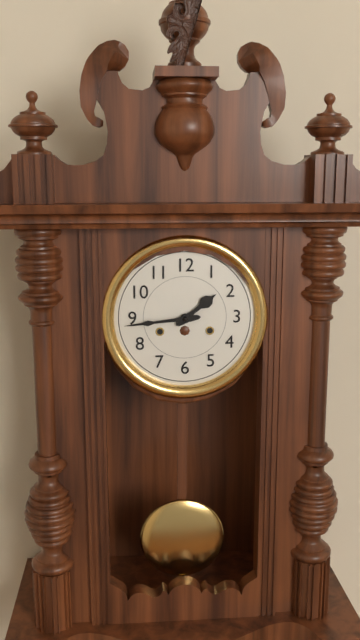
{"hour": 1, "minute": 44}
